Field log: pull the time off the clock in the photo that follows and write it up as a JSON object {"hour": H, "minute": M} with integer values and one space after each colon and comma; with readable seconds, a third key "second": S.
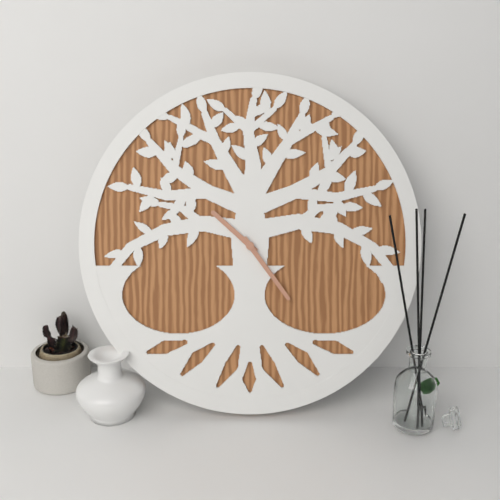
{"hour": 10, "minute": 24}
